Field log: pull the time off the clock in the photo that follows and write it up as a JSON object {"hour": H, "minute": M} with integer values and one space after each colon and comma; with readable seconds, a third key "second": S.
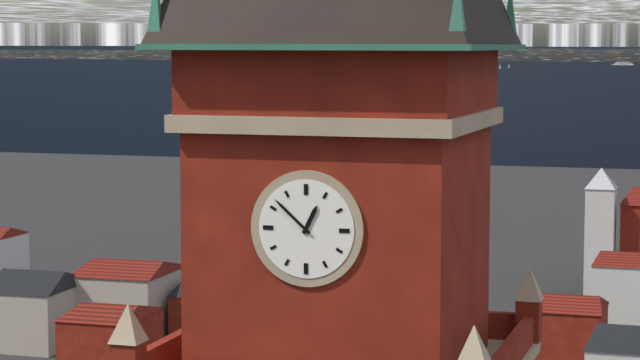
{"hour": 12, "minute": 52}
